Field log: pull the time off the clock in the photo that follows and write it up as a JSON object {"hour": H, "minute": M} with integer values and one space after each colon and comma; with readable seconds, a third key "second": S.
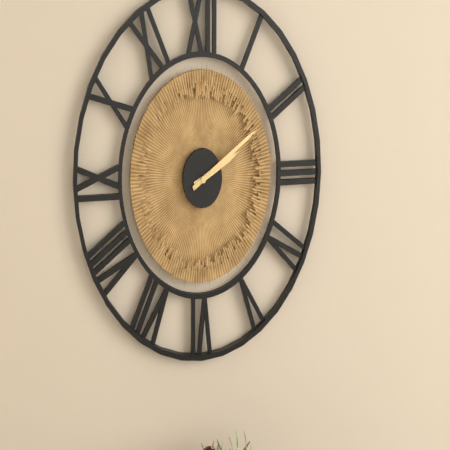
{"hour": 2, "minute": 10}
